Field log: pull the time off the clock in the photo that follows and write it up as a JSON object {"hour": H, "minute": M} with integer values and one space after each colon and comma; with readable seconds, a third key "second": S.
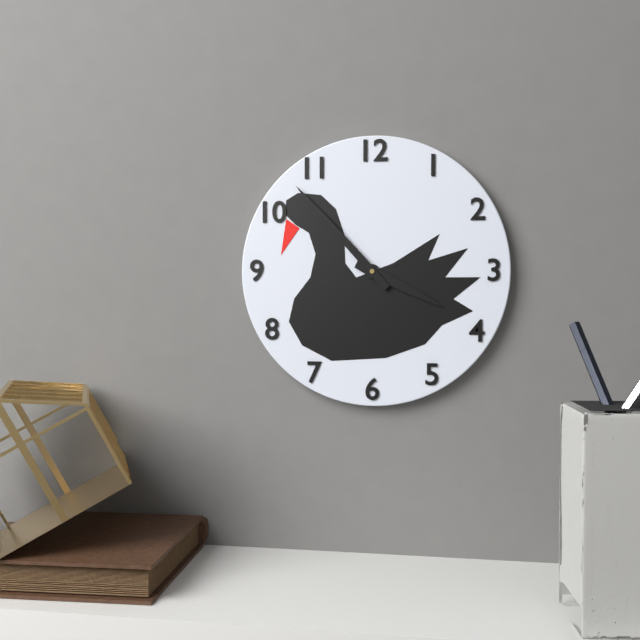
{"hour": 3, "minute": 53}
